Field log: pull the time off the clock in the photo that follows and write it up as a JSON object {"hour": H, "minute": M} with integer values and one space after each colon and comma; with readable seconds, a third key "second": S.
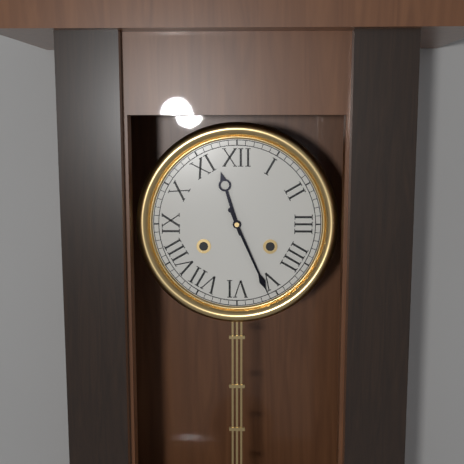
{"hour": 11, "minute": 26}
